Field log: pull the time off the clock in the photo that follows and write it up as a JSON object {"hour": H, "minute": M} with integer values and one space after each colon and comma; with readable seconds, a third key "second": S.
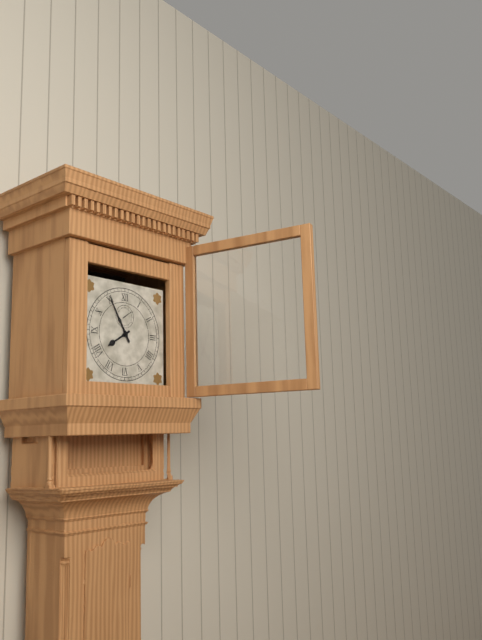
{"hour": 7, "minute": 55}
